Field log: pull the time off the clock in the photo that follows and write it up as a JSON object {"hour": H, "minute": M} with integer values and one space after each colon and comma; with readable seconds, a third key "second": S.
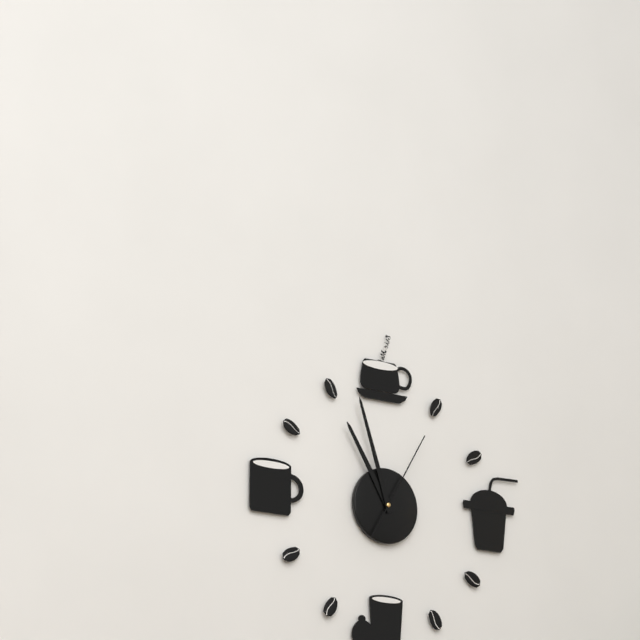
{"hour": 10, "minute": 57, "second": 5}
